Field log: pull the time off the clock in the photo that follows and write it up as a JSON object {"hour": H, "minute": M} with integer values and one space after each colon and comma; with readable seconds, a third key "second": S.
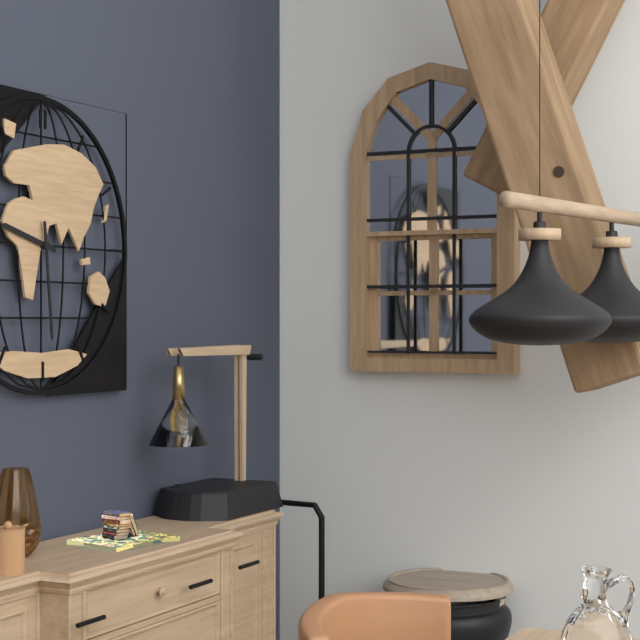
{"hour": 9, "minute": 29}
